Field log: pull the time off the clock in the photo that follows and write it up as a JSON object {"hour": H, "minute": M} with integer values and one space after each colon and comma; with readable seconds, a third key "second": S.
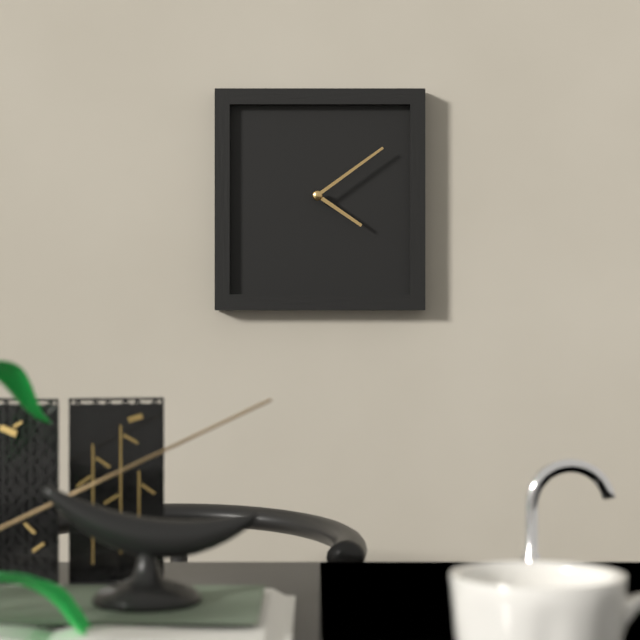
{"hour": 4, "minute": 9}
